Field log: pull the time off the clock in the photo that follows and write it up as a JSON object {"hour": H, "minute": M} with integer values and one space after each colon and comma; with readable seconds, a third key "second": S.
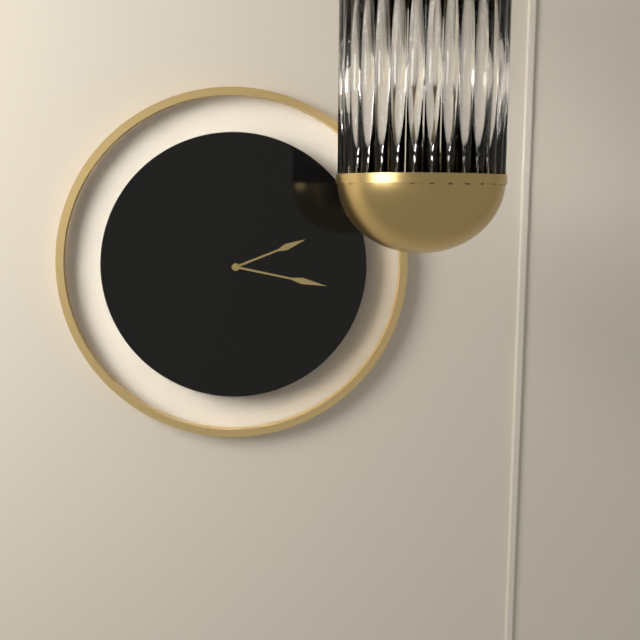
{"hour": 2, "minute": 17}
